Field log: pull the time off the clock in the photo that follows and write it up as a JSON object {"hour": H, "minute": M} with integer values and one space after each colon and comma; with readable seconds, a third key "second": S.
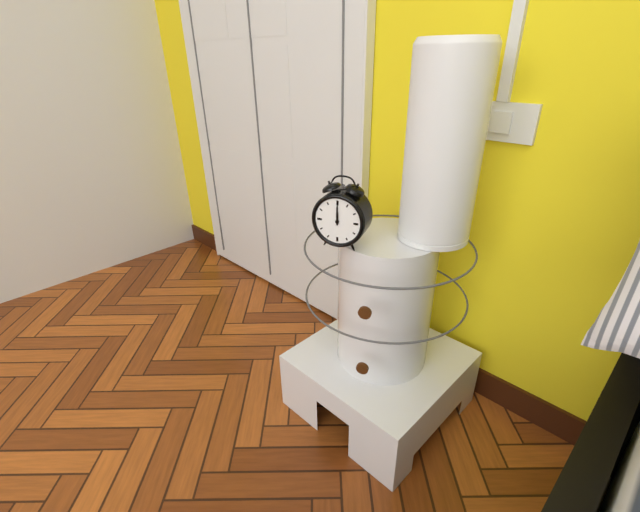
{"hour": 12, "minute": 0}
